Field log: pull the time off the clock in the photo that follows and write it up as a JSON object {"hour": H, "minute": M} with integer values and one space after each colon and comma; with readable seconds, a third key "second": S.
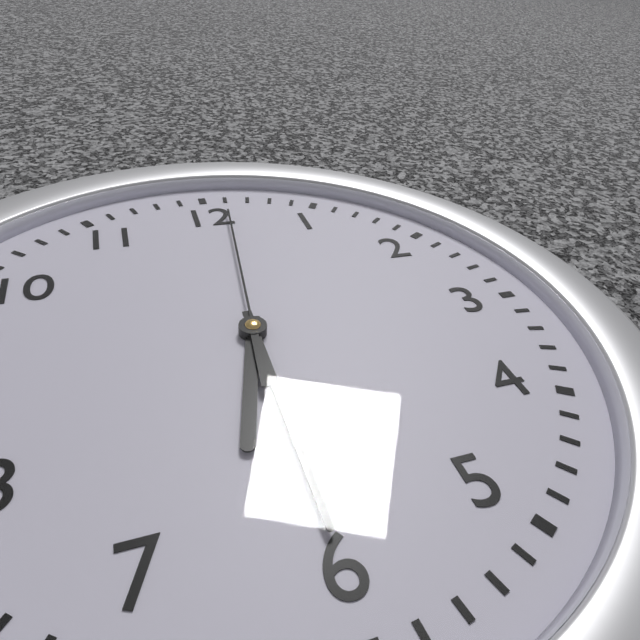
{"hour": 6, "minute": 30, "second": 1}
